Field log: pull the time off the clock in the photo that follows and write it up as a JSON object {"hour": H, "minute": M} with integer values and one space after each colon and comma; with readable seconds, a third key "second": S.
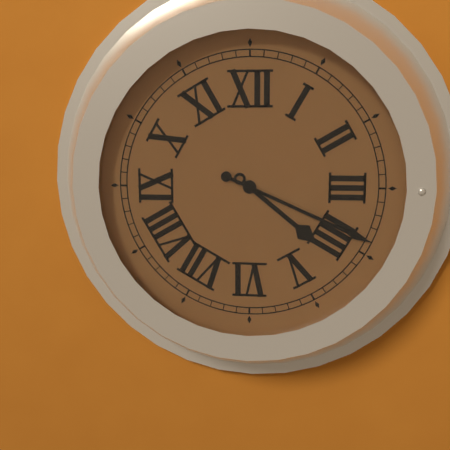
{"hour": 4, "minute": 19}
